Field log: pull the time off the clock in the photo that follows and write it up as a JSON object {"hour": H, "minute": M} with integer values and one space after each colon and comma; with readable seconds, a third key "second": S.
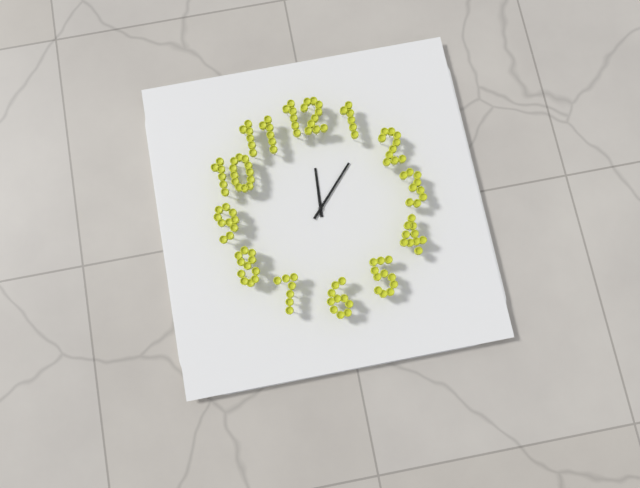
{"hour": 12, "minute": 7}
